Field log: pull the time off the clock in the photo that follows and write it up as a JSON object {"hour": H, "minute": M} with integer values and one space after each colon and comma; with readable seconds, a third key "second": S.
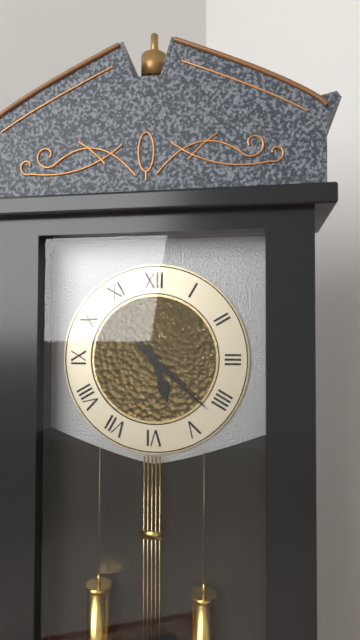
{"hour": 5, "minute": 22}
